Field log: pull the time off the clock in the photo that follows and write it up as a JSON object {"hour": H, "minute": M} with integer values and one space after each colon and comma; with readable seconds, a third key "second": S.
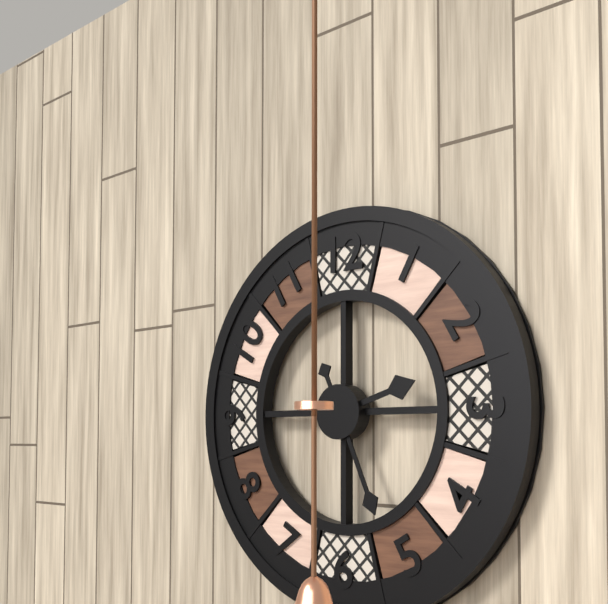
{"hour": 2, "minute": 26}
